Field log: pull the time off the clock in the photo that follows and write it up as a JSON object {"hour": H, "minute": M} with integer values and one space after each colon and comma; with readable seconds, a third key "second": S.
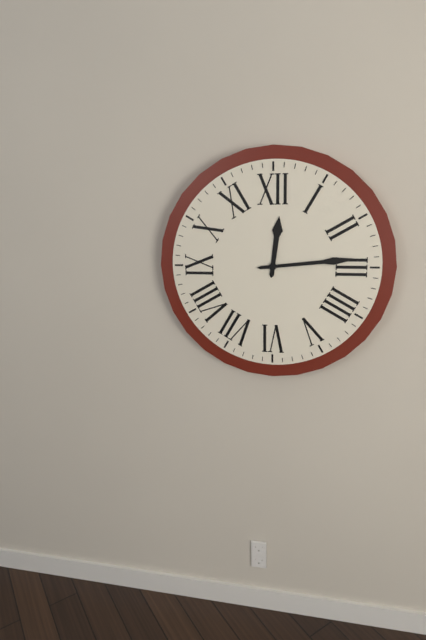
{"hour": 12, "minute": 14}
